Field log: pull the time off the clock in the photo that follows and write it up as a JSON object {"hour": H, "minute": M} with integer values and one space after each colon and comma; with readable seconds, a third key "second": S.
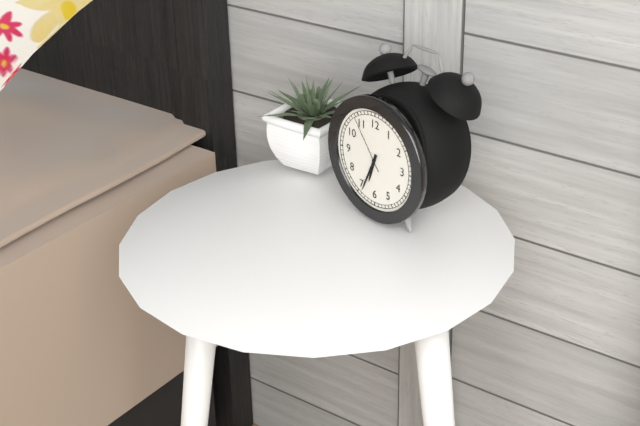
{"hour": 6, "minute": 34, "second": 54}
